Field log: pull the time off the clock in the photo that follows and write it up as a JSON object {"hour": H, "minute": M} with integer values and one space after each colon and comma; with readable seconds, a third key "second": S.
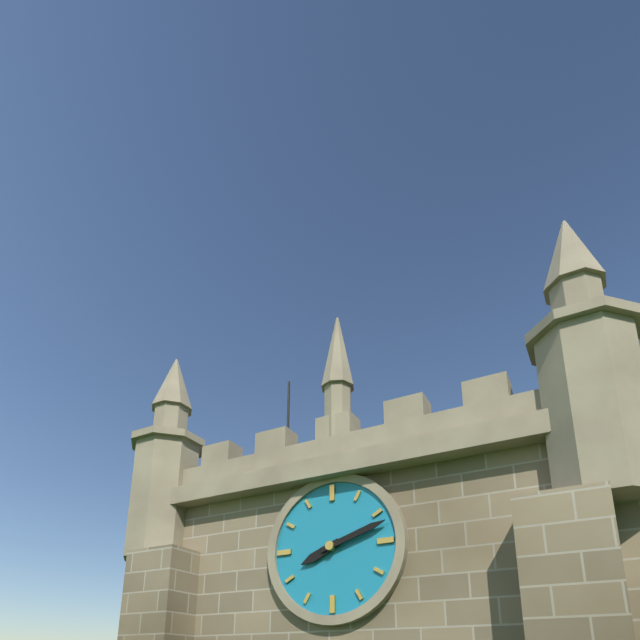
{"hour": 8, "minute": 12}
